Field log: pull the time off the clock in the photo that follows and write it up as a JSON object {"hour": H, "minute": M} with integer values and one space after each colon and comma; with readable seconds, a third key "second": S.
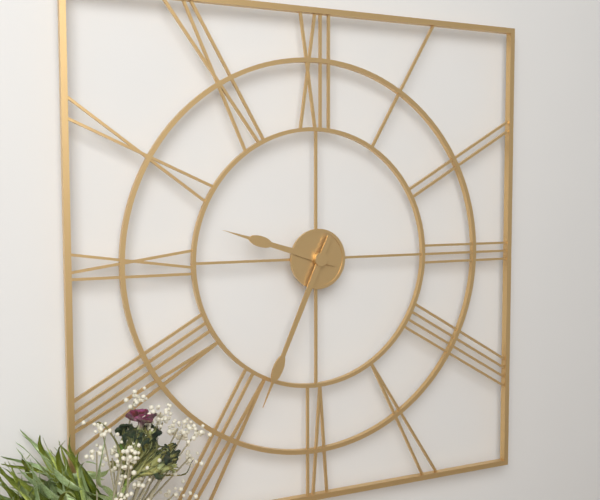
{"hour": 9, "minute": 34}
